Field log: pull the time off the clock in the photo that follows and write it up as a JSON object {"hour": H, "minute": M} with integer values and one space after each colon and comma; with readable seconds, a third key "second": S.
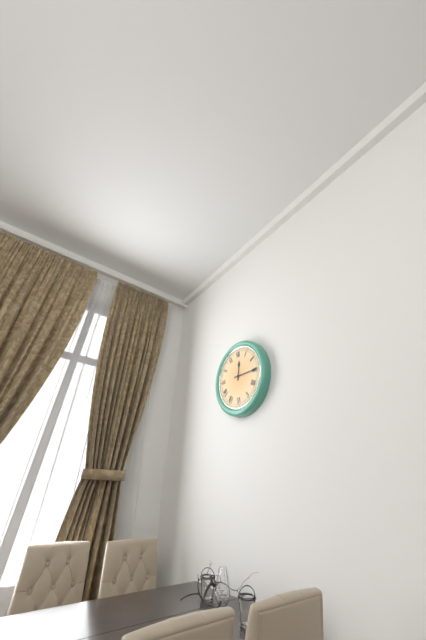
{"hour": 12, "minute": 15}
